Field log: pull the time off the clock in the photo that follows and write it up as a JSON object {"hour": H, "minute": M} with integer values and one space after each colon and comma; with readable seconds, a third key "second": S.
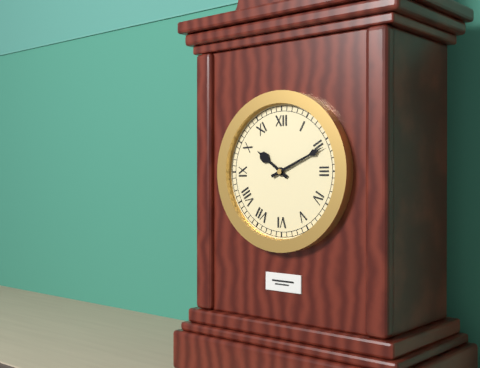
{"hour": 10, "minute": 11}
